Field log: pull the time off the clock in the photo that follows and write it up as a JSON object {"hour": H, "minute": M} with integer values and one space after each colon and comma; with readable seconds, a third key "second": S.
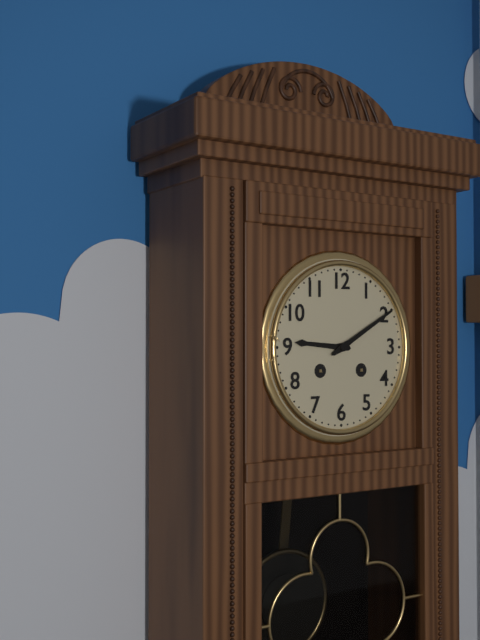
{"hour": 9, "minute": 10}
